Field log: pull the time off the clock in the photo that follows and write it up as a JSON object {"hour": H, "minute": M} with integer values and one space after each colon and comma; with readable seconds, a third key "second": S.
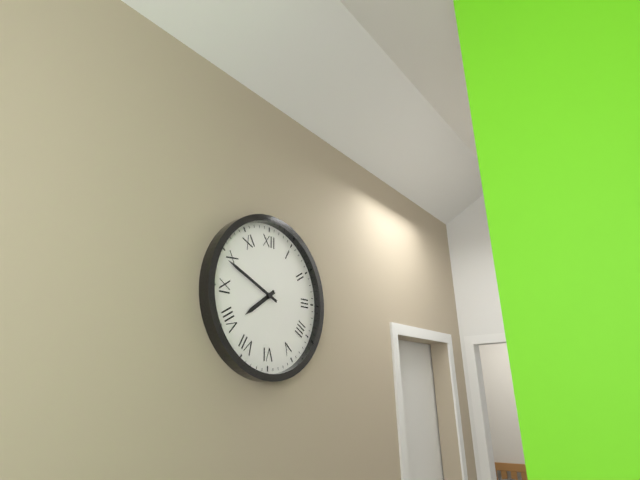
{"hour": 7, "minute": 49}
